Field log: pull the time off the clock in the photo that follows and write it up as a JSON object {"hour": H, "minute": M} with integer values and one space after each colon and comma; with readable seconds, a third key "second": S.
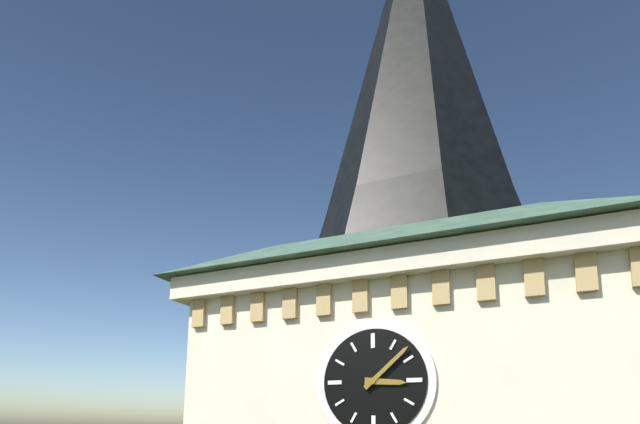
{"hour": 3, "minute": 8}
